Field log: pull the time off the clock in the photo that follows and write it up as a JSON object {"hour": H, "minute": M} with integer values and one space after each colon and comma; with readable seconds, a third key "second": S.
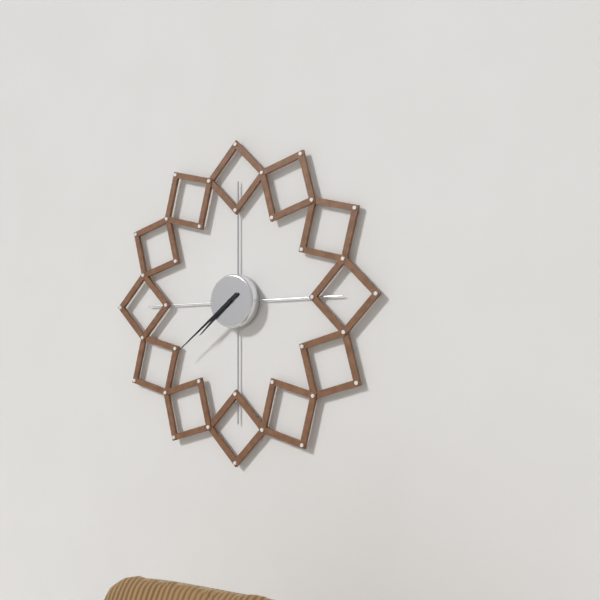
{"hour": 7, "minute": 39}
